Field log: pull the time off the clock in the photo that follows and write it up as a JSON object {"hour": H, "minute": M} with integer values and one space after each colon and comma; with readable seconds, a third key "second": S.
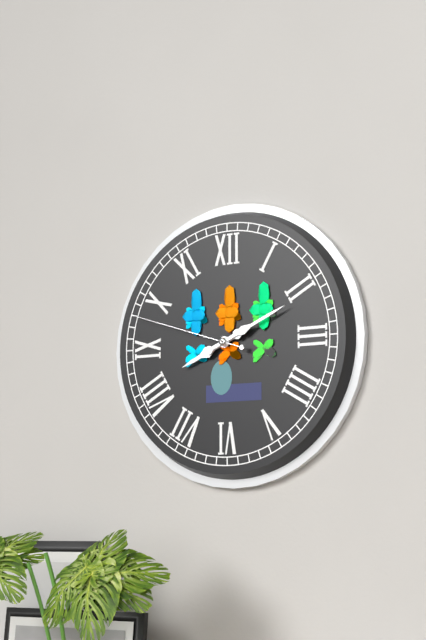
{"hour": 8, "minute": 11, "second": 48}
